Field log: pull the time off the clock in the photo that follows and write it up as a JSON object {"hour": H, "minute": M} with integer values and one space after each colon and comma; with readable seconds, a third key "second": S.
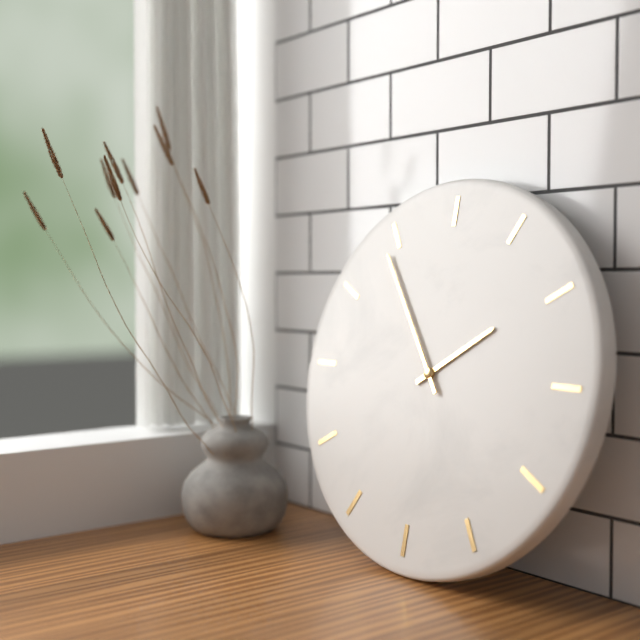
{"hour": 1, "minute": 54}
